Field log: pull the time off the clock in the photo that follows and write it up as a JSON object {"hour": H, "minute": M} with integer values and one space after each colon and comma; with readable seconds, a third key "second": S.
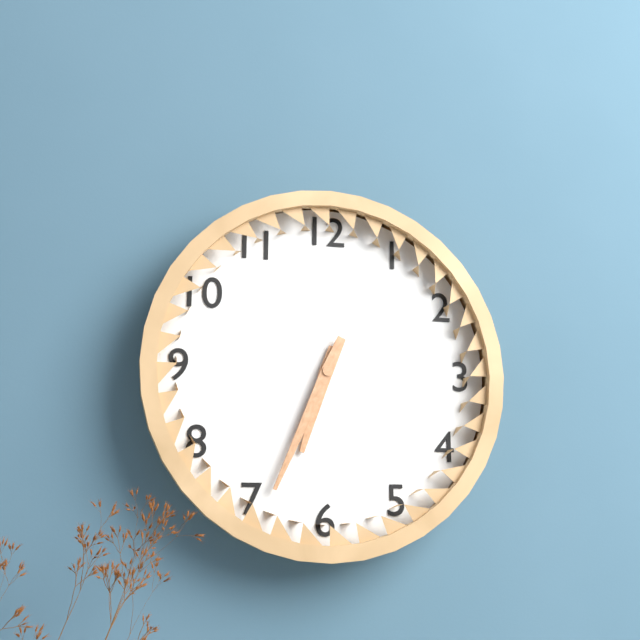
{"hour": 6, "minute": 34}
